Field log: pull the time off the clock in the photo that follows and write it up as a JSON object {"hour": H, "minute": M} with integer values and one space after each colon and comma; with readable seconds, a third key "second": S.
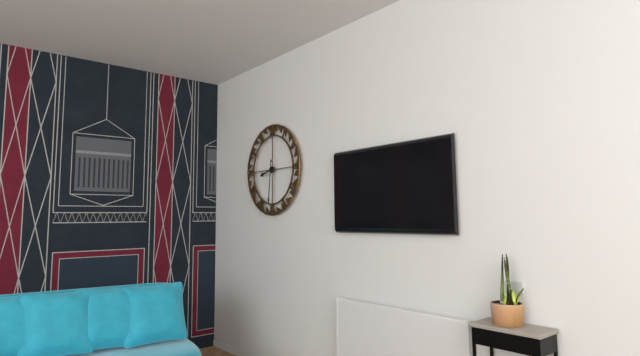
{"hour": 8, "minute": 31}
